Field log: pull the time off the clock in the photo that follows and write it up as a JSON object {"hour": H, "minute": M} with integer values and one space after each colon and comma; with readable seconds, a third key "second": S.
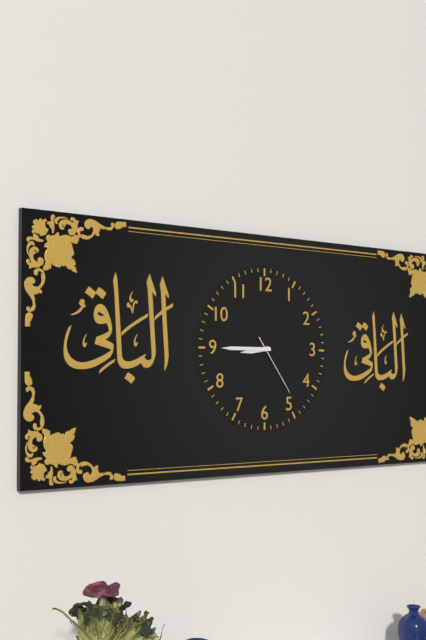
{"hour": 8, "minute": 45, "second": 24}
